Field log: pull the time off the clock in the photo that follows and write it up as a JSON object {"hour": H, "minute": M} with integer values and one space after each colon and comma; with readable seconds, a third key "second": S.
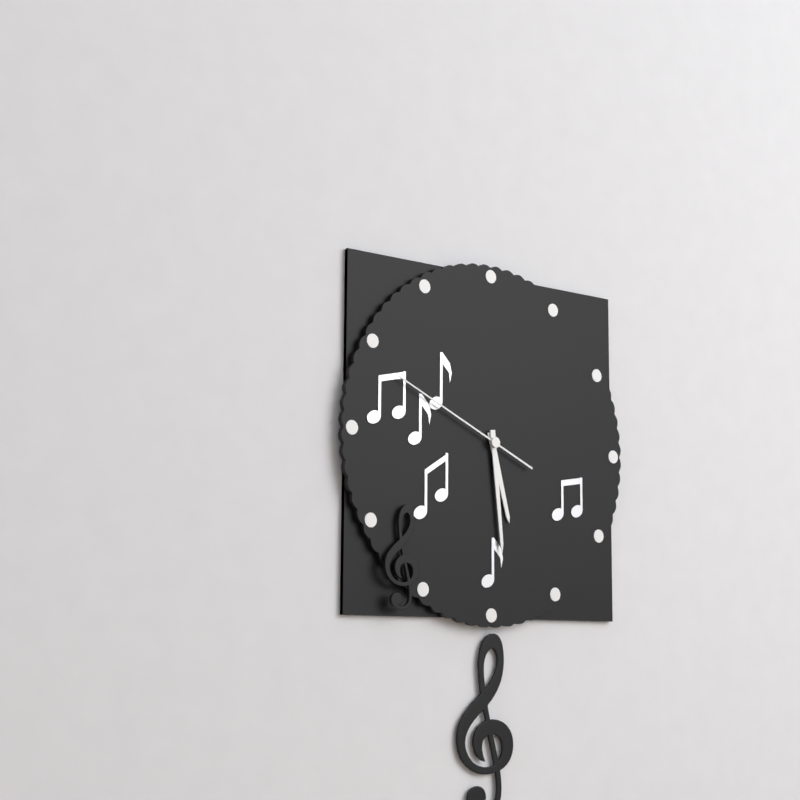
{"hour": 5, "minute": 29, "second": 49}
